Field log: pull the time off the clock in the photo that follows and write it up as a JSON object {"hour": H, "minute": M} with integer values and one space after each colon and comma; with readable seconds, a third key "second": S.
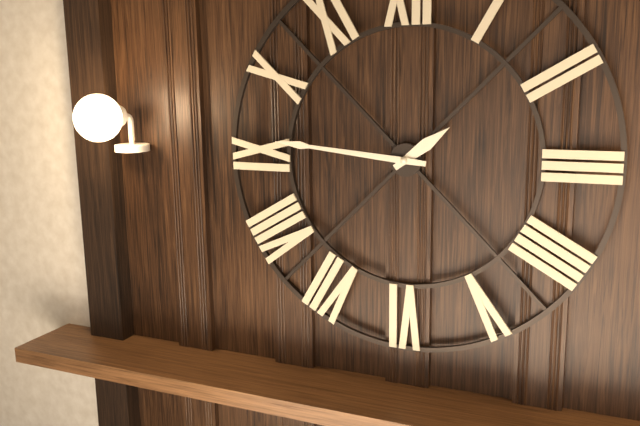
{"hour": 1, "minute": 46}
